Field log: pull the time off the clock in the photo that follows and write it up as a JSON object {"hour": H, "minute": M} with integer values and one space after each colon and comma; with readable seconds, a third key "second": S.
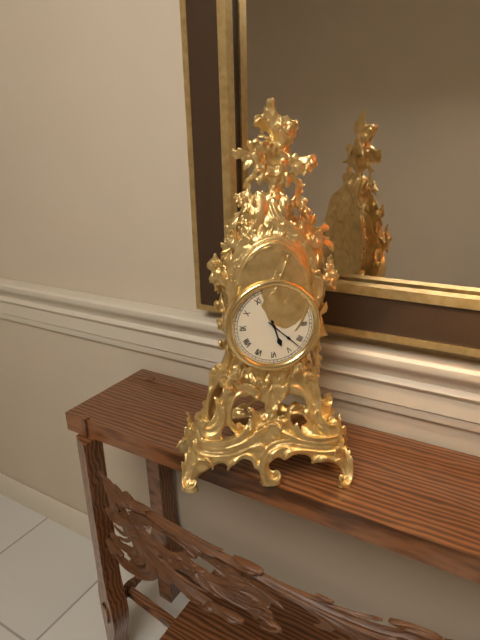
{"hour": 5, "minute": 22}
